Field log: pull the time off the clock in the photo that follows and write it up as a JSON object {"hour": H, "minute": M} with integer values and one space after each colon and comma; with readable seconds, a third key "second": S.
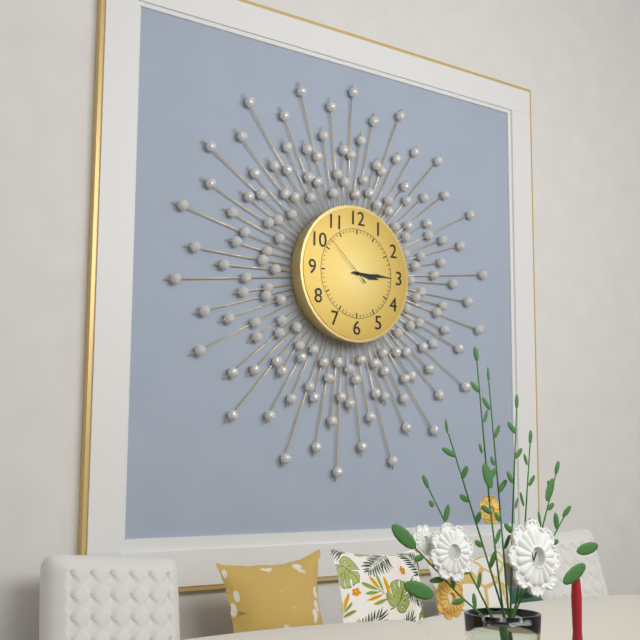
{"hour": 3, "minute": 15, "second": 52}
